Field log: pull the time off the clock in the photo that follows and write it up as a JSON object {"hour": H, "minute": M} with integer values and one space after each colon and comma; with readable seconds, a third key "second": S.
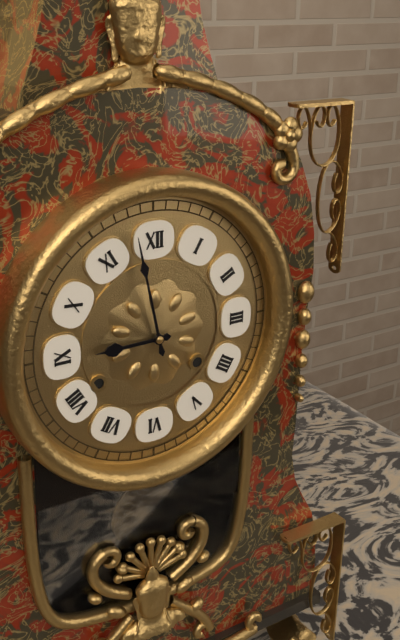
{"hour": 8, "minute": 58}
